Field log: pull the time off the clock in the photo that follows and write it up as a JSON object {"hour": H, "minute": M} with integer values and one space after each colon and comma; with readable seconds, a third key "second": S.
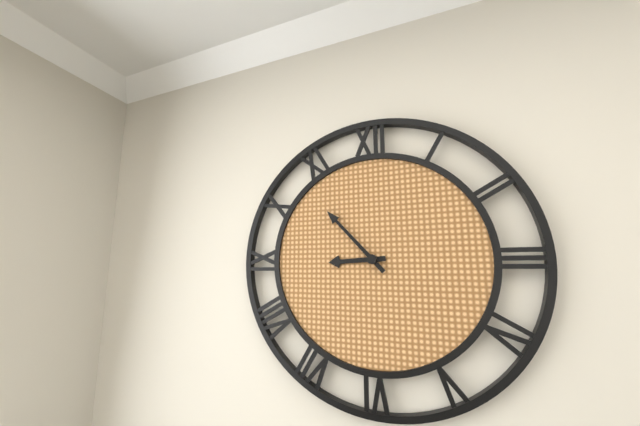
{"hour": 8, "minute": 53}
